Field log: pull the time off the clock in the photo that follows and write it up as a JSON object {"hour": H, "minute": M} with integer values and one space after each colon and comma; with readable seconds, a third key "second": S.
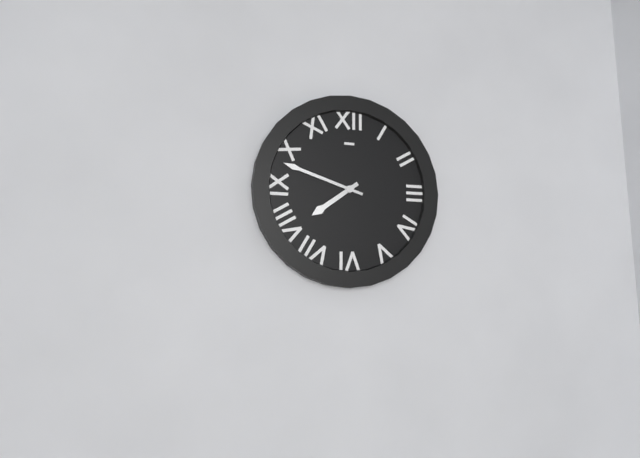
{"hour": 7, "minute": 48}
